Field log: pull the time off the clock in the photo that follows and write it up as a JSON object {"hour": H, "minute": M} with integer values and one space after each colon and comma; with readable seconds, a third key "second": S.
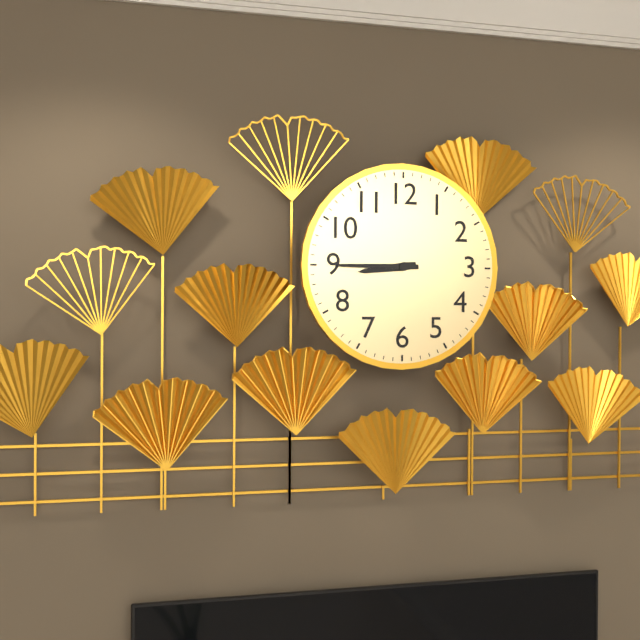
{"hour": 8, "minute": 45}
